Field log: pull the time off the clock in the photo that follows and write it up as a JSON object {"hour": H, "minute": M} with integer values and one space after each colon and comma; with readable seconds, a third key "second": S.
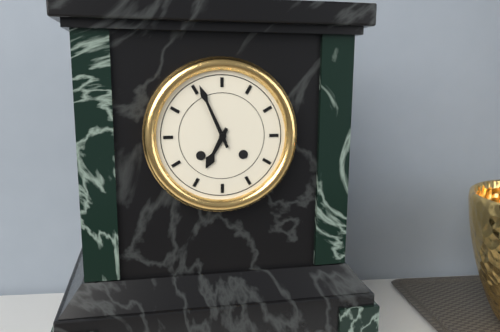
{"hour": 6, "minute": 56}
